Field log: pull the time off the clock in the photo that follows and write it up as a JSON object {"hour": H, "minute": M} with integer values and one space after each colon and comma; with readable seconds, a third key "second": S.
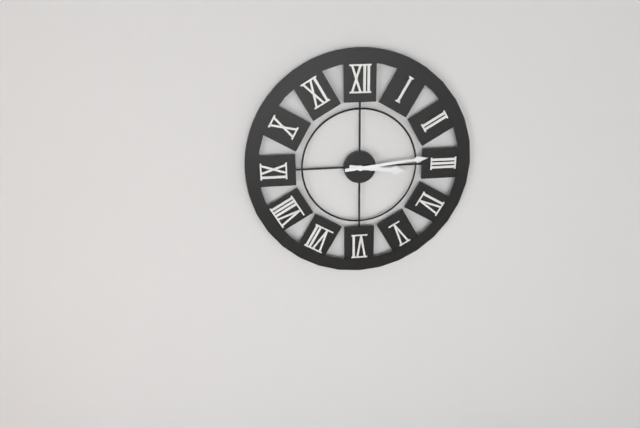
{"hour": 3, "minute": 14}
